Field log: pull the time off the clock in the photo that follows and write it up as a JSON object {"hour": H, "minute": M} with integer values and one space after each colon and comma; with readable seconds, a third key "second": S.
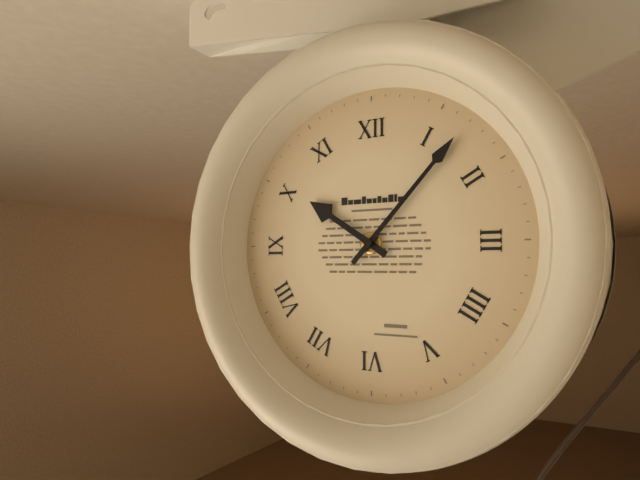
{"hour": 10, "minute": 7}
